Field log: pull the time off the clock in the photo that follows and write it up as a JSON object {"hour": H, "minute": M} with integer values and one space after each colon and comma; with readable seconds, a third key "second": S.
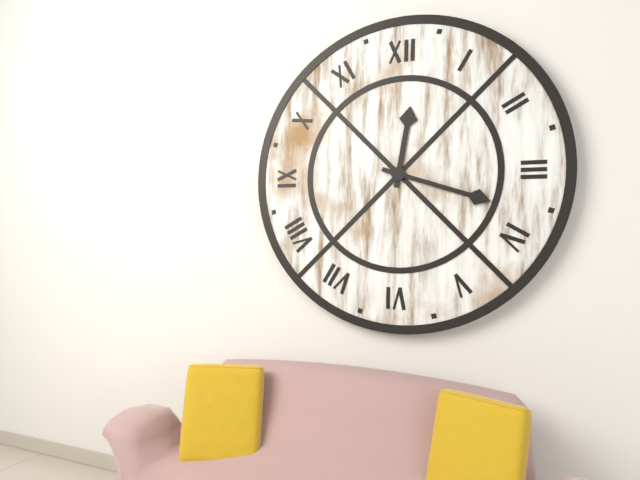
{"hour": 12, "minute": 18}
